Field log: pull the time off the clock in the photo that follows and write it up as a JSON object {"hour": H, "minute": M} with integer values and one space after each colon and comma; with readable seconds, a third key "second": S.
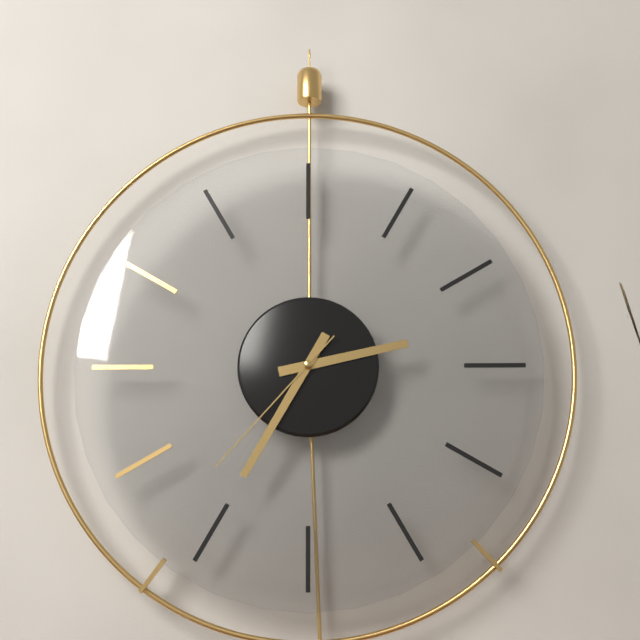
{"hour": 2, "minute": 35, "second": 37}
